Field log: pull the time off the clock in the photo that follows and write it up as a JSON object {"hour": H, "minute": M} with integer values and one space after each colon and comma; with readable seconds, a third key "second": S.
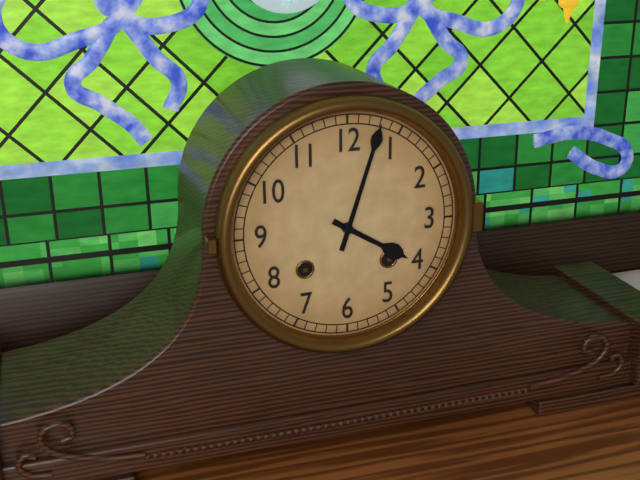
{"hour": 4, "minute": 3}
